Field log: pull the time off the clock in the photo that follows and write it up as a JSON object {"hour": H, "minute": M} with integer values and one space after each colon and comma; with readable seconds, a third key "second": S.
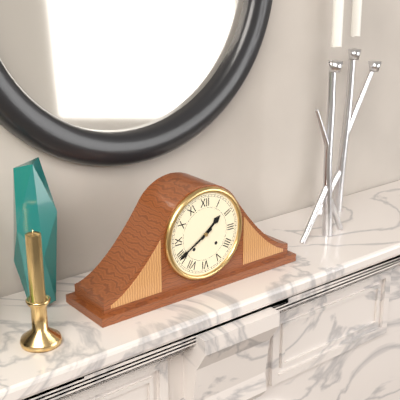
{"hour": 1, "minute": 40}
